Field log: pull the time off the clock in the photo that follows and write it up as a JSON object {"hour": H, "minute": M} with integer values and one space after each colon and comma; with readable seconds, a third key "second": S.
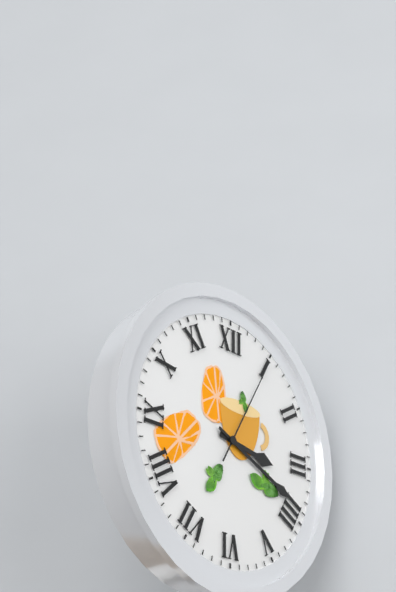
{"hour": 3, "minute": 19, "second": 5}
